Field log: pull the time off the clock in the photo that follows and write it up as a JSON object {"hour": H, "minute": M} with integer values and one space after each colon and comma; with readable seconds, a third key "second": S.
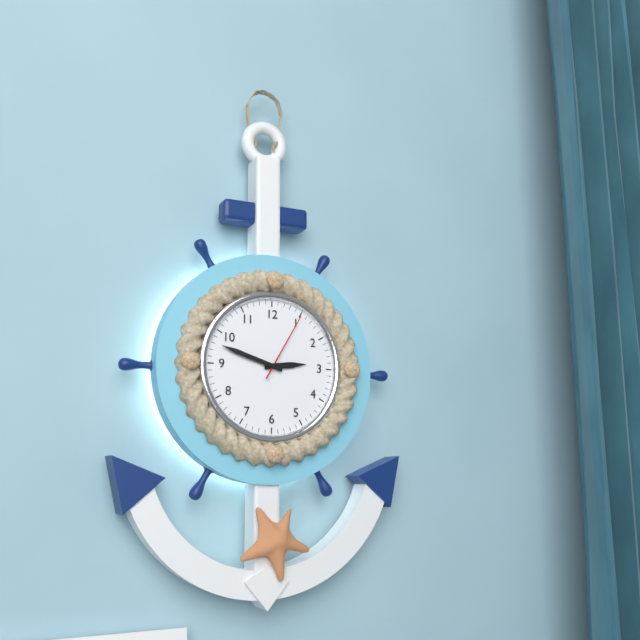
{"hour": 2, "minute": 48, "second": 5}
